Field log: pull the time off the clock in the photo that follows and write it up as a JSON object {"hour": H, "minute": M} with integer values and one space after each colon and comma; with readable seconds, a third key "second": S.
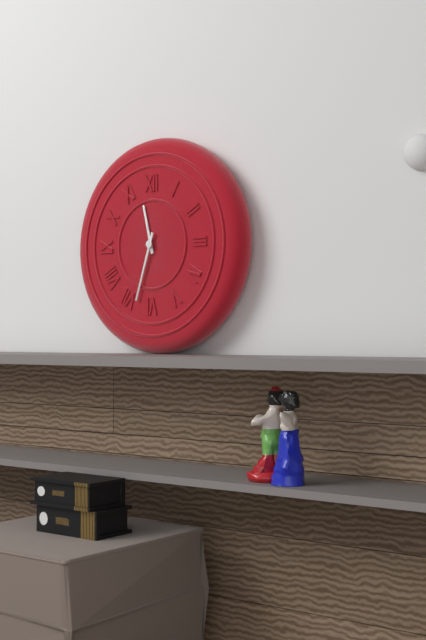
{"hour": 11, "minute": 33}
